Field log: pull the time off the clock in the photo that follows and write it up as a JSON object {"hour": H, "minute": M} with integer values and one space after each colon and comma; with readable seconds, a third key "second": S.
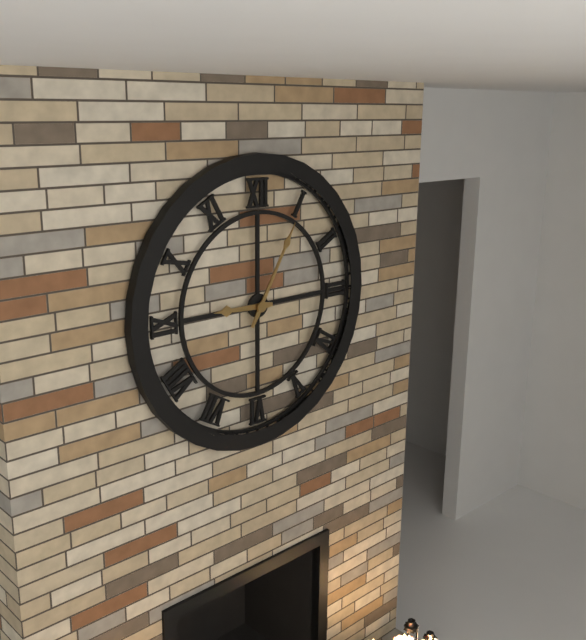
{"hour": 9, "minute": 5}
